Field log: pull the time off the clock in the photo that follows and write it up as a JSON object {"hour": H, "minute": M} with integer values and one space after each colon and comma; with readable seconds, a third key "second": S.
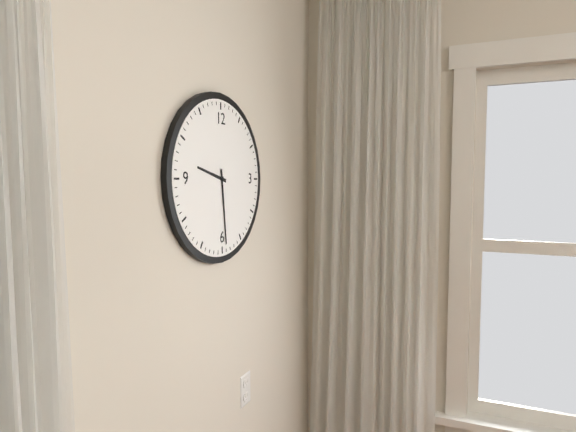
{"hour": 9, "minute": 29}
